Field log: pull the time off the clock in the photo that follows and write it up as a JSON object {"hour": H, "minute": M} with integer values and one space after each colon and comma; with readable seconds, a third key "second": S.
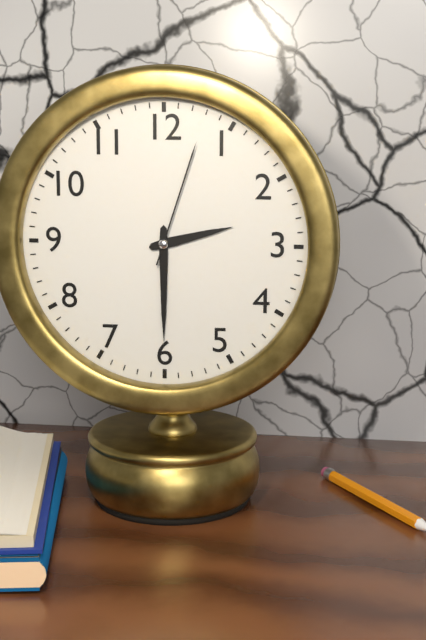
{"hour": 2, "minute": 30, "second": 3}
